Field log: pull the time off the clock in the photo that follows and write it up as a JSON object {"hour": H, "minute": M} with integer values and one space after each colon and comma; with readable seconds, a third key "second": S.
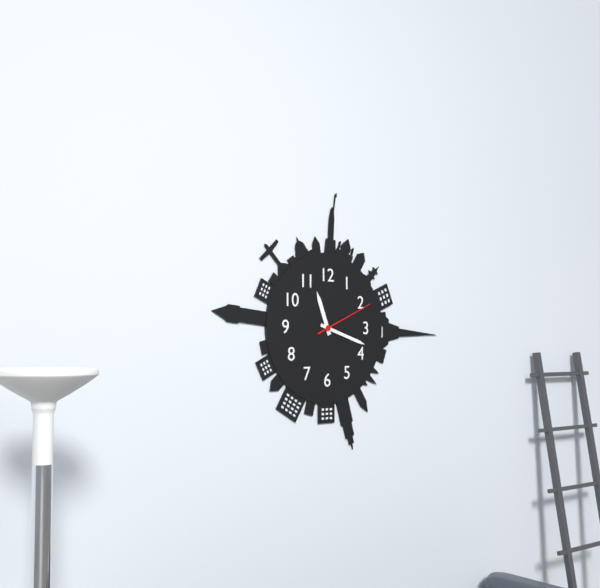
{"hour": 11, "minute": 18, "second": 11}
